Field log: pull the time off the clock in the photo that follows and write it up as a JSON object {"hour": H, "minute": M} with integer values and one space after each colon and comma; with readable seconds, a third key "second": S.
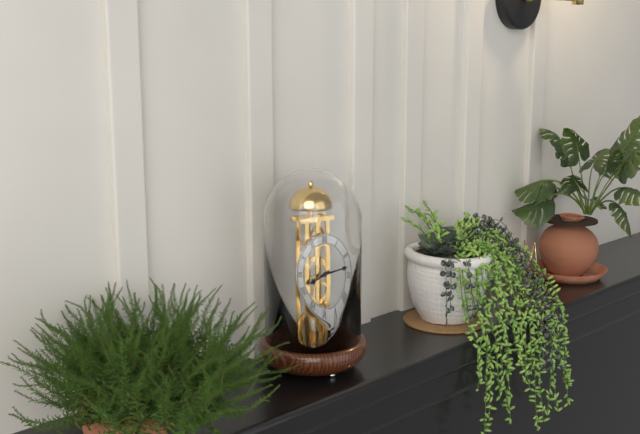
{"hour": 8, "minute": 13}
